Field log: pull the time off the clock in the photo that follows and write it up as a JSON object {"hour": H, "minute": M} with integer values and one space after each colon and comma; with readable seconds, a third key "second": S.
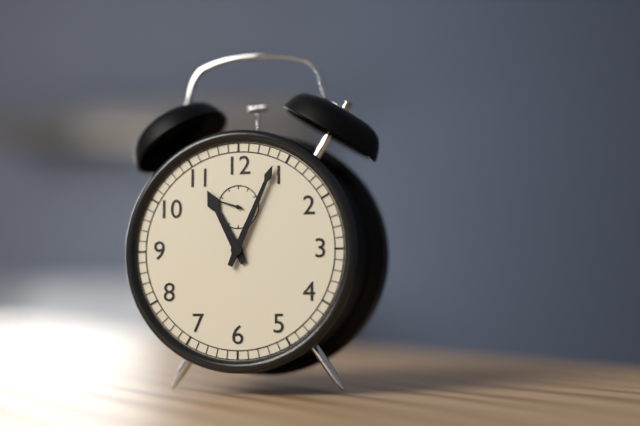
{"hour": 11, "minute": 4}
